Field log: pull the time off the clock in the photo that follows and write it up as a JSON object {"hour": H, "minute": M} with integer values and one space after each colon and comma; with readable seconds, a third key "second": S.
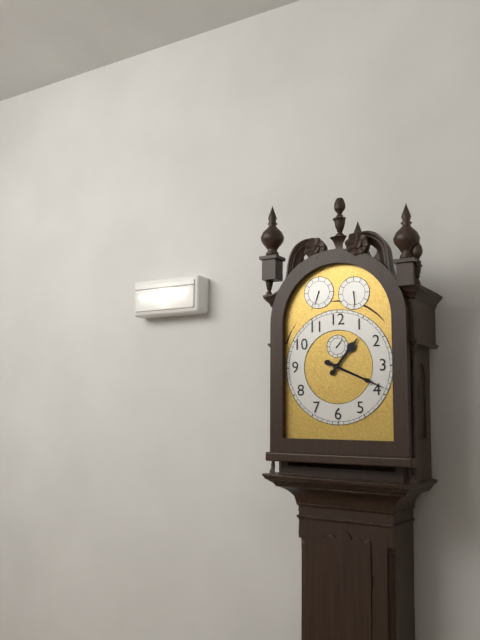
{"hour": 1, "minute": 19}
